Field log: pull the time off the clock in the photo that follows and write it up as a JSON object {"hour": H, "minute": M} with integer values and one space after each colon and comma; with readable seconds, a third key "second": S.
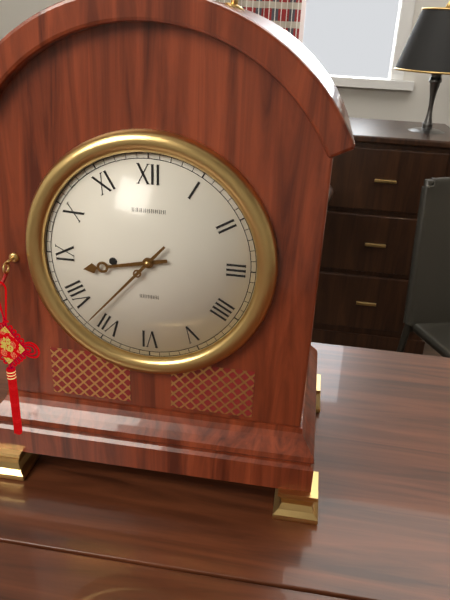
{"hour": 8, "minute": 37}
